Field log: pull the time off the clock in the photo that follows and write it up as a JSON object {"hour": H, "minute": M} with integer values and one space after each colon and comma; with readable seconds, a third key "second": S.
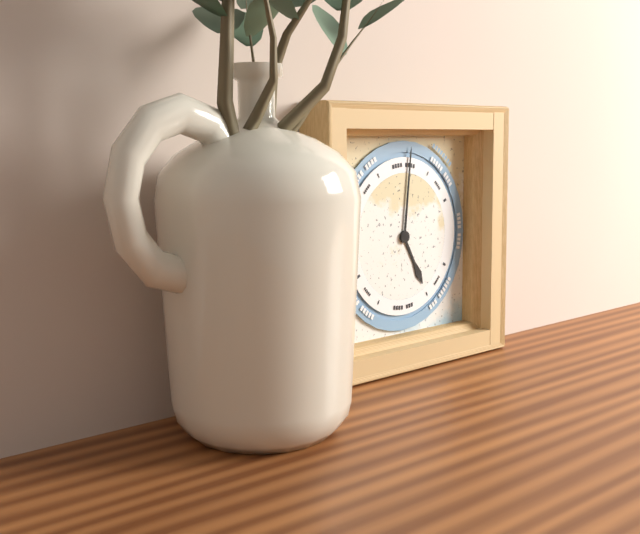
{"hour": 5, "minute": 1}
